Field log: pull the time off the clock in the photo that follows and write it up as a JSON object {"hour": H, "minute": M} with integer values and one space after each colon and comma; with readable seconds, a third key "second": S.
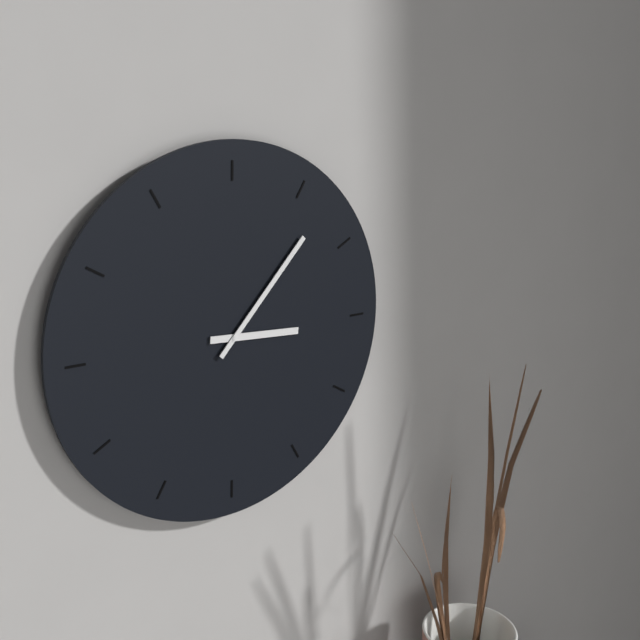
{"hour": 3, "minute": 7}
